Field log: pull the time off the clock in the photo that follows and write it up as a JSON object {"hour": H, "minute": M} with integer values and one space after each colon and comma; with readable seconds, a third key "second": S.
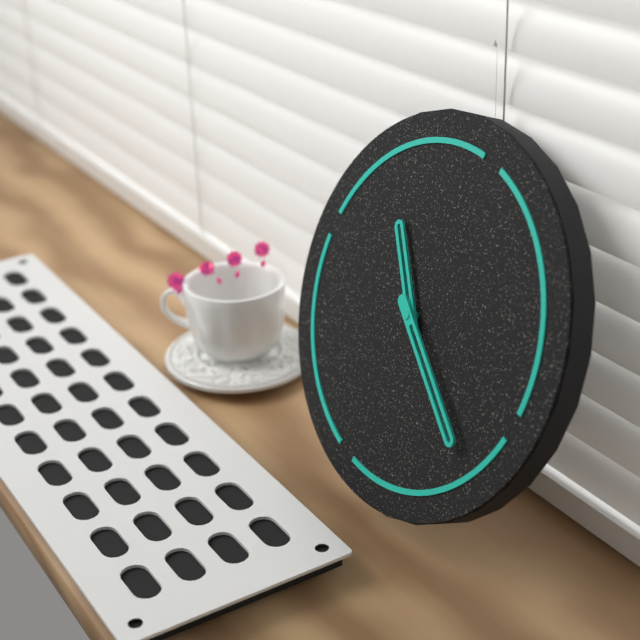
{"hour": 10, "minute": 19}
